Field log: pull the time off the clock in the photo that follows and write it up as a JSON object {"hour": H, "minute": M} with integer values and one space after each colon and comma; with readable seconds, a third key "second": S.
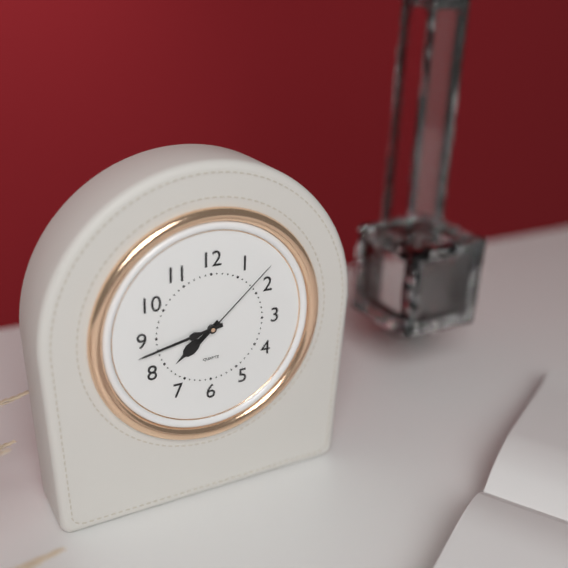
{"hour": 7, "minute": 43, "second": 8}
